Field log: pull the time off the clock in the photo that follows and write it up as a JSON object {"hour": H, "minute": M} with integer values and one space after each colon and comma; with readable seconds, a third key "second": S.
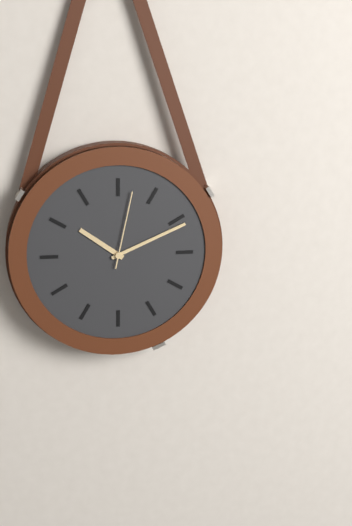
{"hour": 10, "minute": 11, "second": 2}
